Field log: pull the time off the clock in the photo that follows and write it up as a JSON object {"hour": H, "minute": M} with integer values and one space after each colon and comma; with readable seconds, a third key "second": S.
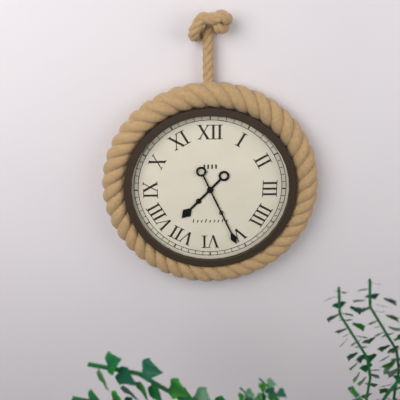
{"hour": 7, "minute": 26}
